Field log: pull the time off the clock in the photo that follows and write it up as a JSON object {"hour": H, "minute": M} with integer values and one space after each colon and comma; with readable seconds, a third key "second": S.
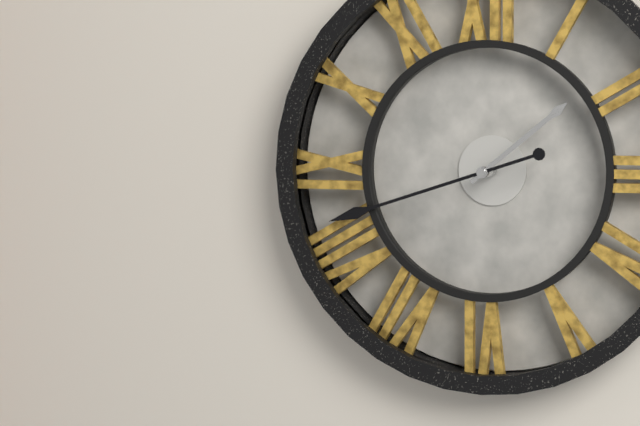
{"hour": 1, "minute": 42}
